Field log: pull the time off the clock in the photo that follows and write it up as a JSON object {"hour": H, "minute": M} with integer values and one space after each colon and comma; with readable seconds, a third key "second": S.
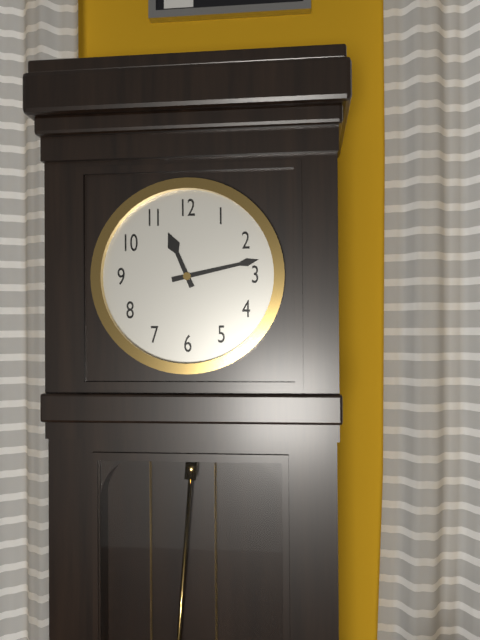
{"hour": 11, "minute": 13}
